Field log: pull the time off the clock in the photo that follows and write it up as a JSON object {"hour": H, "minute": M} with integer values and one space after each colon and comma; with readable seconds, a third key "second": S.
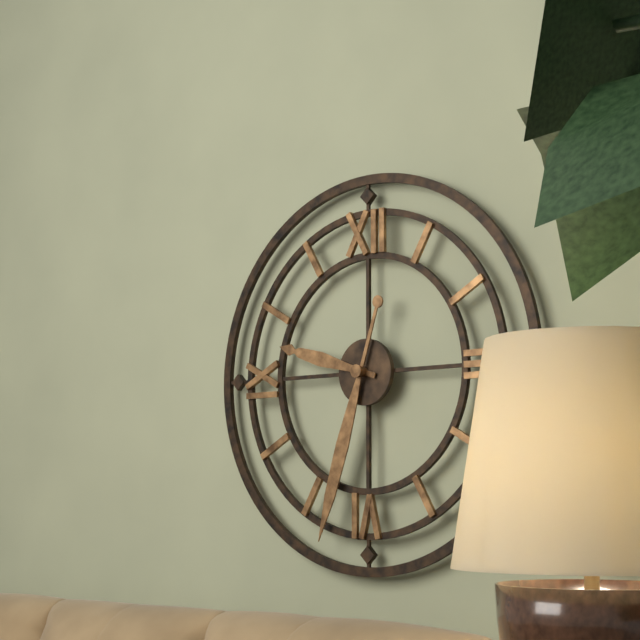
{"hour": 9, "minute": 33}
